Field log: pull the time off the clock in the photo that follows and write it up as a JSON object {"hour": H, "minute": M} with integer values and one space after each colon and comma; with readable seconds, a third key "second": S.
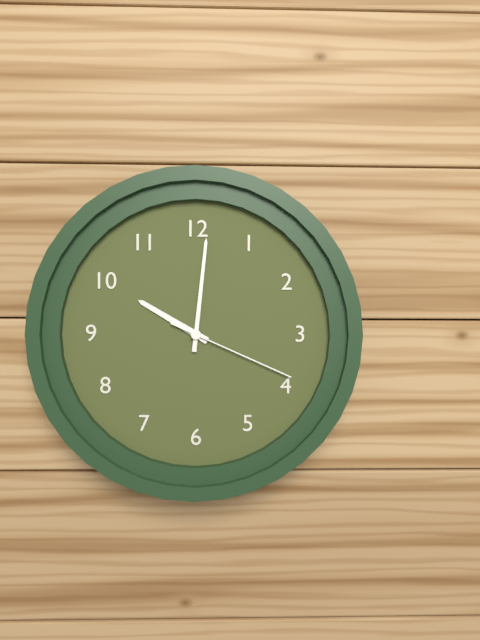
{"hour": 10, "minute": 1, "second": 19}
